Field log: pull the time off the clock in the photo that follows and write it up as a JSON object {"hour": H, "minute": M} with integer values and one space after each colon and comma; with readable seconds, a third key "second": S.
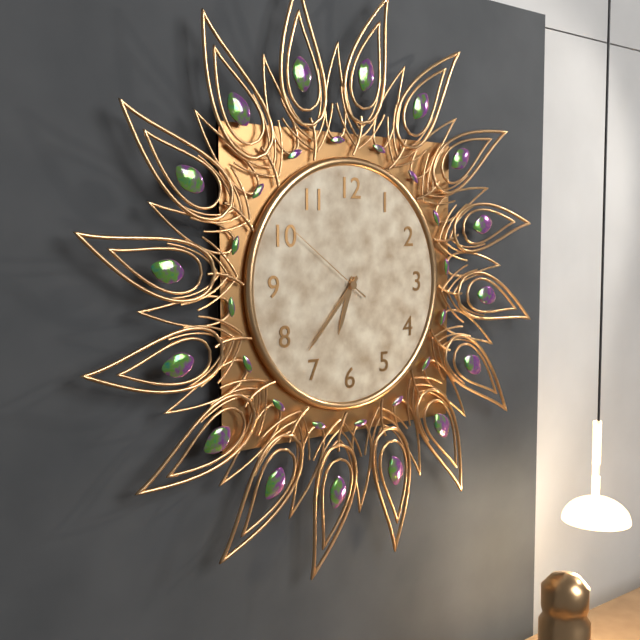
{"hour": 6, "minute": 37, "second": 51}
